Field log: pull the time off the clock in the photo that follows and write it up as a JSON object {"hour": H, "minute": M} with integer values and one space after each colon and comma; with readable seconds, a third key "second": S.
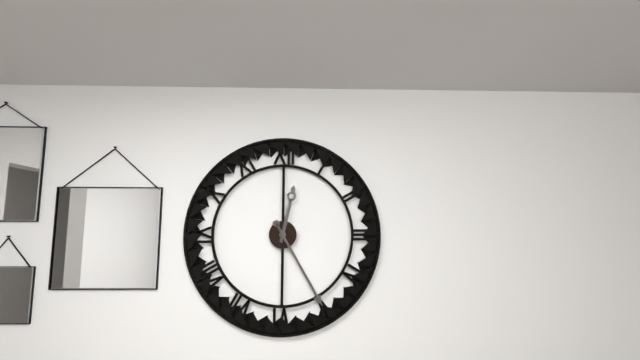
{"hour": 12, "minute": 25}
